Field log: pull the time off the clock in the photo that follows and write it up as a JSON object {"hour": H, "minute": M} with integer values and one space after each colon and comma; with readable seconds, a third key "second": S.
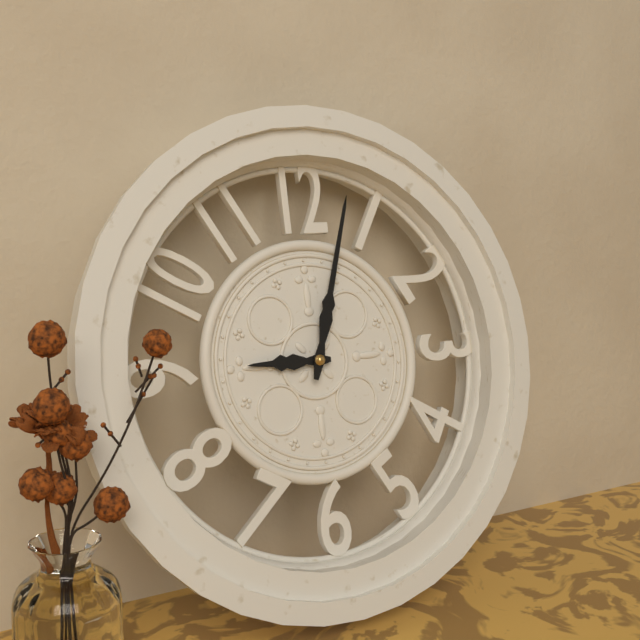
{"hour": 9, "minute": 3}
